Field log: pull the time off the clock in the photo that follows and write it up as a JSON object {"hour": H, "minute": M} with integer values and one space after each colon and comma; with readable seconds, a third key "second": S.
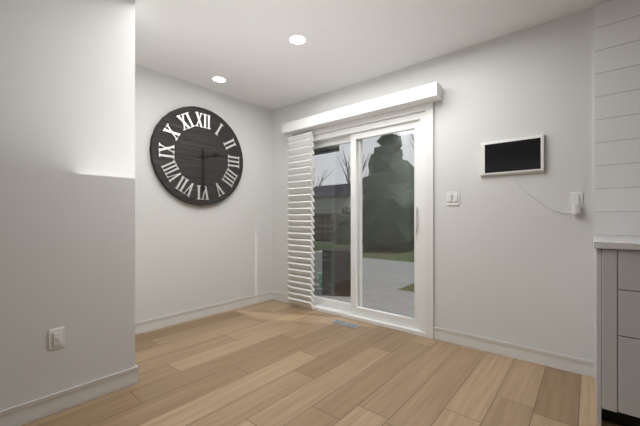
{"hour": 2, "minute": 30}
